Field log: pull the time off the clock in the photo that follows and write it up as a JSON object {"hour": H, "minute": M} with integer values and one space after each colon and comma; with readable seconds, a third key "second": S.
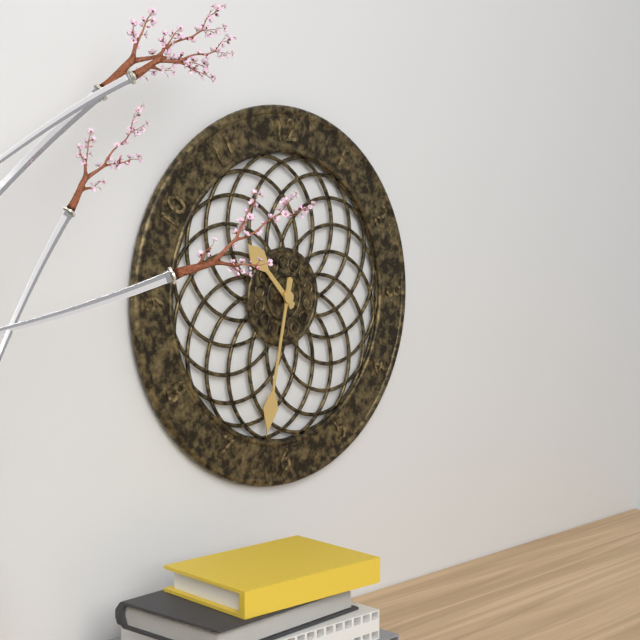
{"hour": 10, "minute": 32}
